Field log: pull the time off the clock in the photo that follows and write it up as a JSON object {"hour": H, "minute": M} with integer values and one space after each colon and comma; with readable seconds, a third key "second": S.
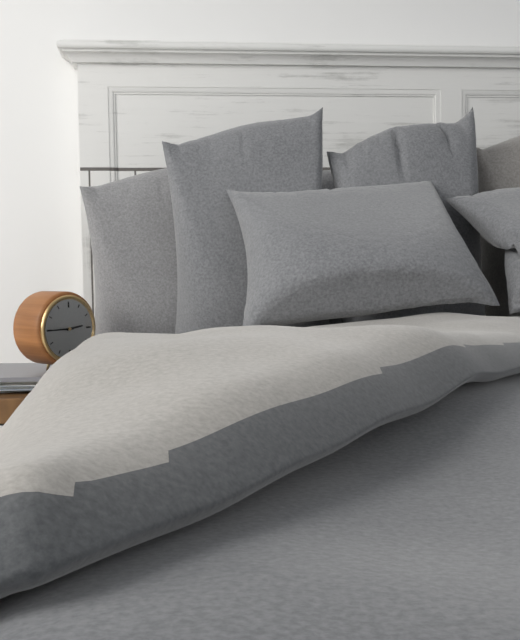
{"hour": 2, "minute": 45}
